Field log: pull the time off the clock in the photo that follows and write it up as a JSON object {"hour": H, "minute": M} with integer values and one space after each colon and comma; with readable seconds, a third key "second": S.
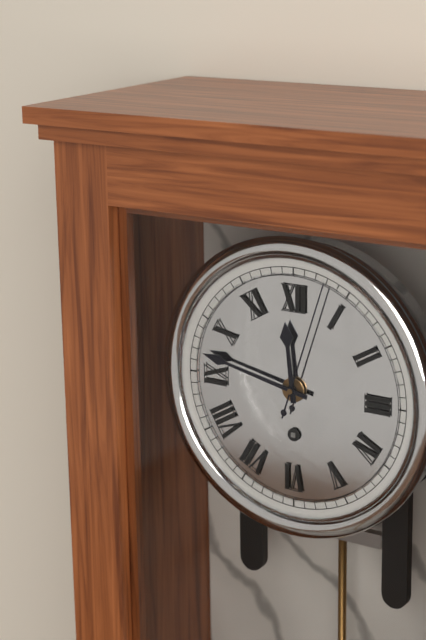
{"hour": 11, "minute": 47, "second": 3}
